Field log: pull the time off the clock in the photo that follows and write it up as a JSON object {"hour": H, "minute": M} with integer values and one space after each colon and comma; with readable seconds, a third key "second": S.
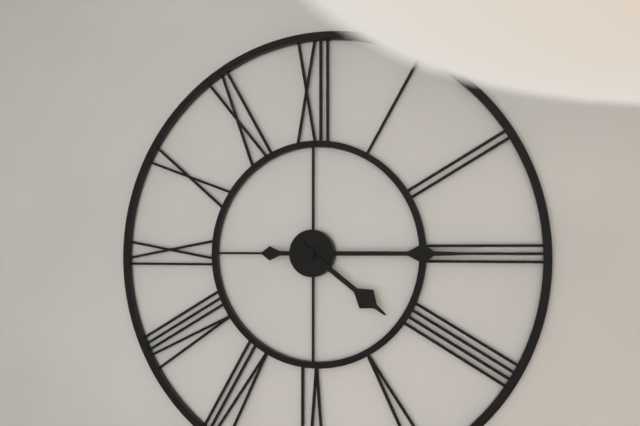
{"hour": 4, "minute": 15}
